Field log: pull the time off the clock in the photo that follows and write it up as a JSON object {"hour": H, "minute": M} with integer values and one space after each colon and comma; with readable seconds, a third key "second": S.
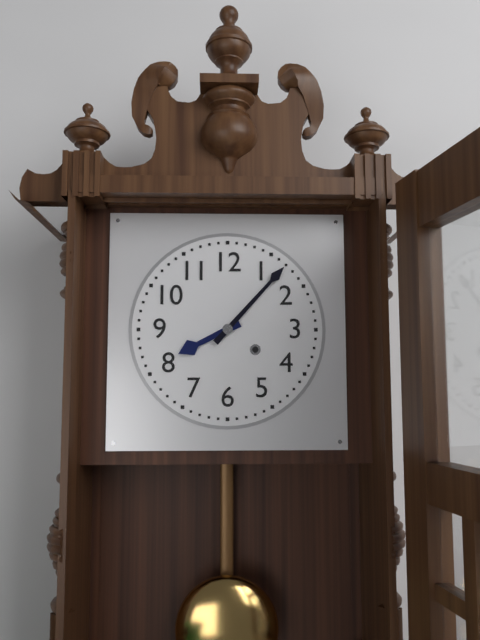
{"hour": 8, "minute": 7}
